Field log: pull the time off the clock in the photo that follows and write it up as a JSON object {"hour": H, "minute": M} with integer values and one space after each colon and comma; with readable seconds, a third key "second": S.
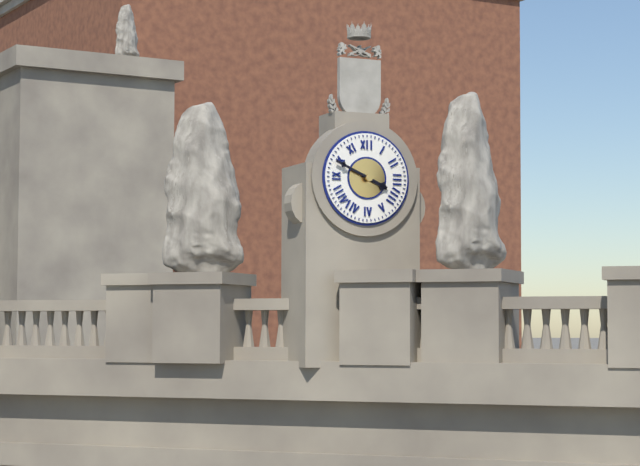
{"hour": 3, "minute": 49}
